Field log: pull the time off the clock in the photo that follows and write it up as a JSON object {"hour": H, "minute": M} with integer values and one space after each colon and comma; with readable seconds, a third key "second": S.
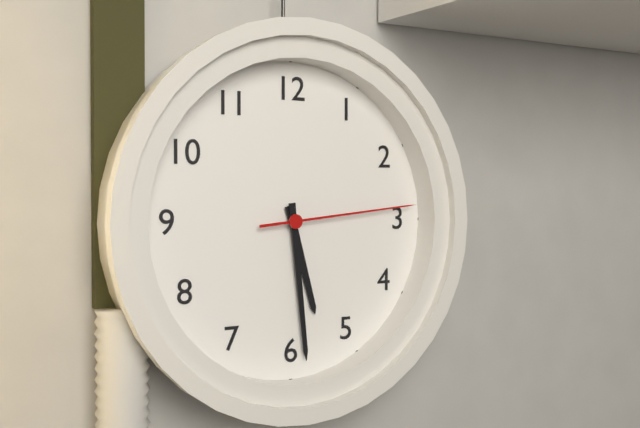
{"hour": 5, "minute": 29, "second": 14}
